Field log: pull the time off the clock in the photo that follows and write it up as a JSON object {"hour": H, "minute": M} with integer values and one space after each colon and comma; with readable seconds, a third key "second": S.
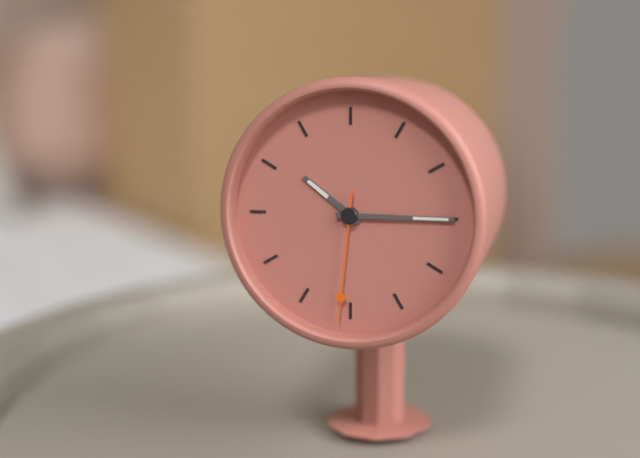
{"hour": 10, "minute": 15, "second": 31}
